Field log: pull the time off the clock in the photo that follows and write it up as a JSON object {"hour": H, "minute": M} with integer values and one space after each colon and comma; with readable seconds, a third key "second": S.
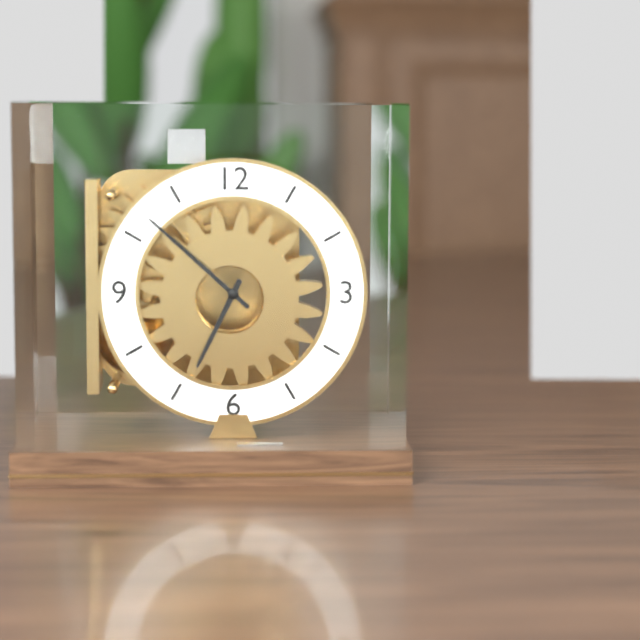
{"hour": 6, "minute": 52}
